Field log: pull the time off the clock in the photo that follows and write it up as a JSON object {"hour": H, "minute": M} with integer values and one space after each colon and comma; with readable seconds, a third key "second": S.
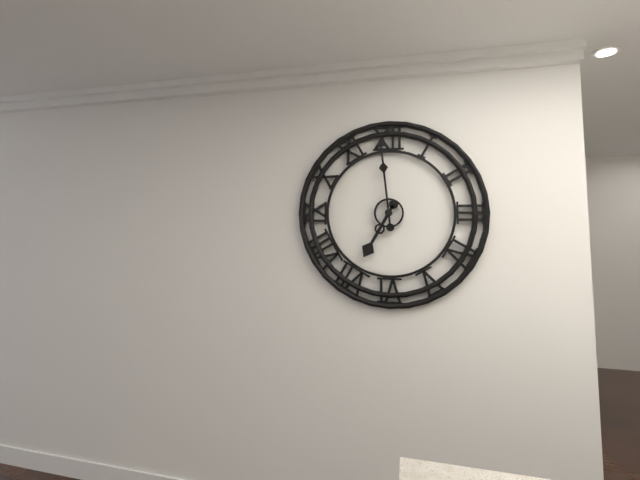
{"hour": 6, "minute": 59}
